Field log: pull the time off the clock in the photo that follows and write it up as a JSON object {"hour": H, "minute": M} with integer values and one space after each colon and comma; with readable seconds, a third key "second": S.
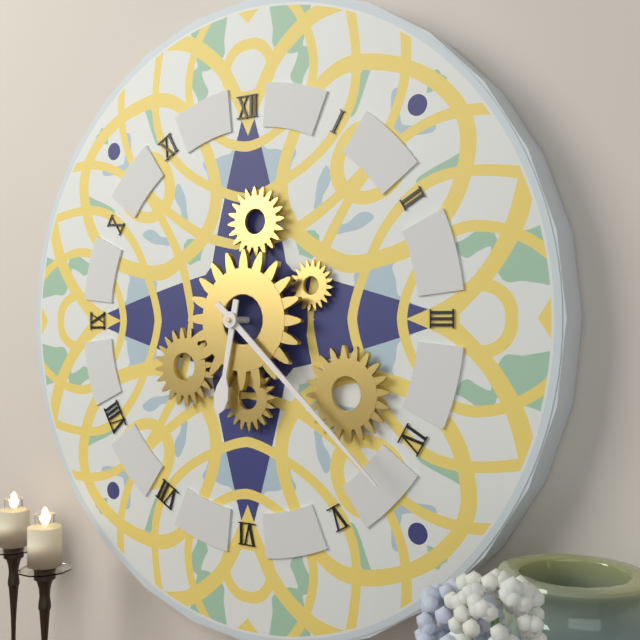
{"hour": 6, "minute": 22}
